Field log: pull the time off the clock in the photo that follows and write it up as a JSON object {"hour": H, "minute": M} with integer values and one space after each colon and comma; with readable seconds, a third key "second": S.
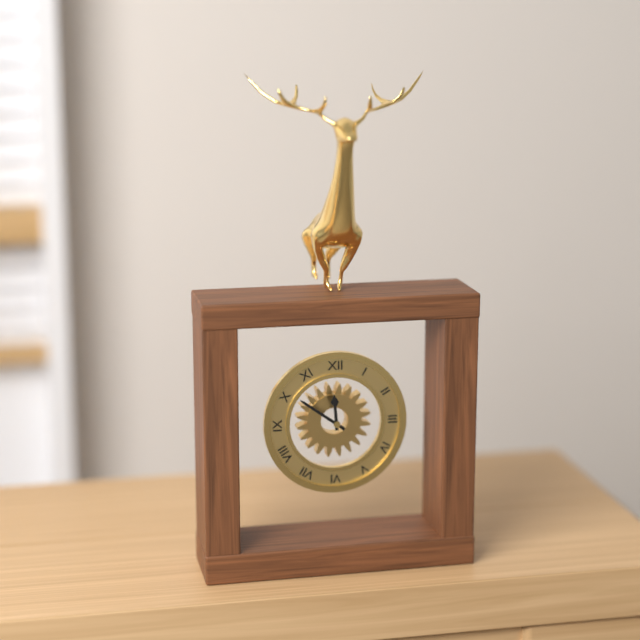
{"hour": 11, "minute": 51}
